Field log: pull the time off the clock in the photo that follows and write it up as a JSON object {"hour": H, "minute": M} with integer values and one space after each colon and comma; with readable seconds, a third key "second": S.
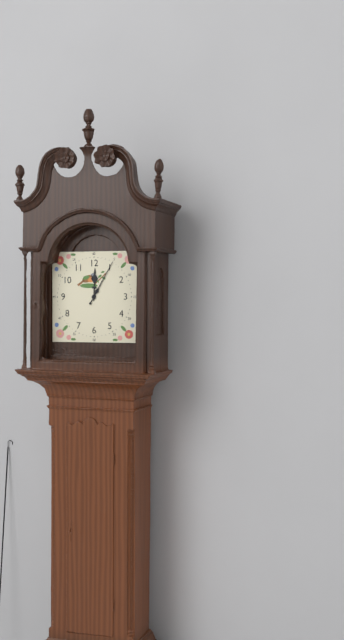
{"hour": 12, "minute": 5}
